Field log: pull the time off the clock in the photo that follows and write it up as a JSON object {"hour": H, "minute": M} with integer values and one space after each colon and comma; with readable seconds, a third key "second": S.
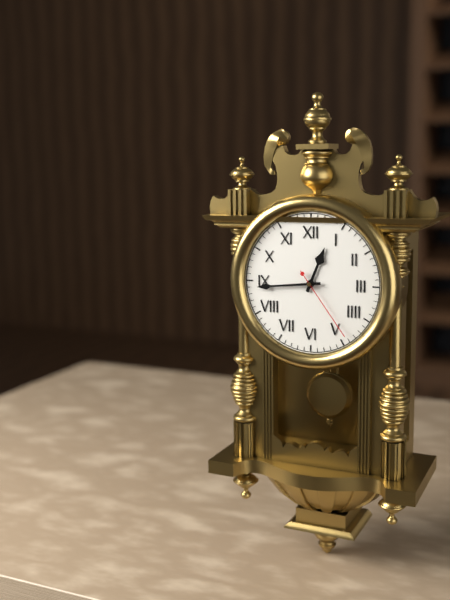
{"hour": 12, "minute": 44, "second": 24}
